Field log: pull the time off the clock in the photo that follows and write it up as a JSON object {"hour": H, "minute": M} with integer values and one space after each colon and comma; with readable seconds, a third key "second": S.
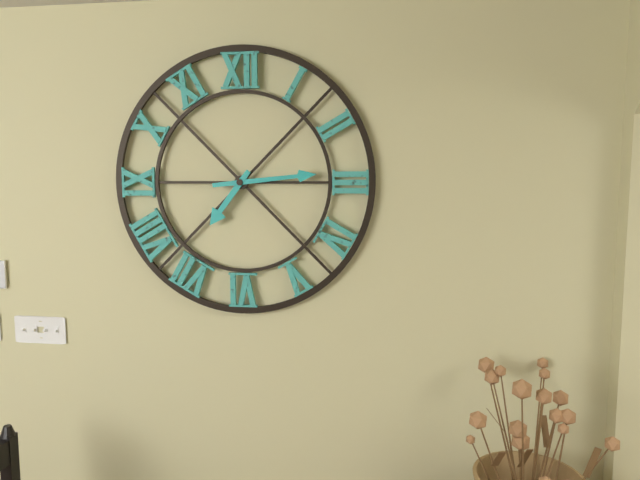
{"hour": 7, "minute": 14}
